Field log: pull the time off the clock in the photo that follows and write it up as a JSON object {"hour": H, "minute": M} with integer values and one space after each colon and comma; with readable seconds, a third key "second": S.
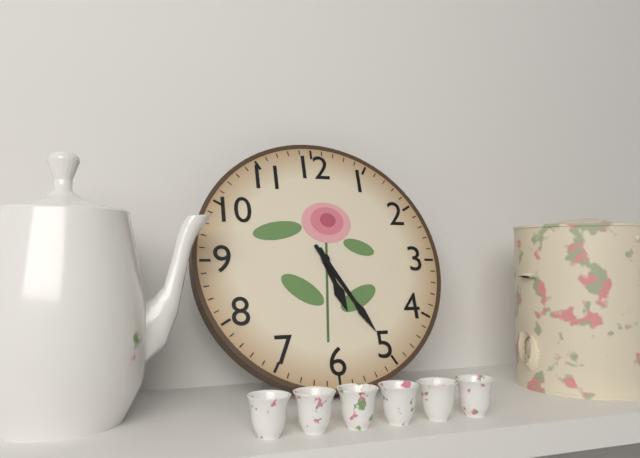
{"hour": 5, "minute": 25}
